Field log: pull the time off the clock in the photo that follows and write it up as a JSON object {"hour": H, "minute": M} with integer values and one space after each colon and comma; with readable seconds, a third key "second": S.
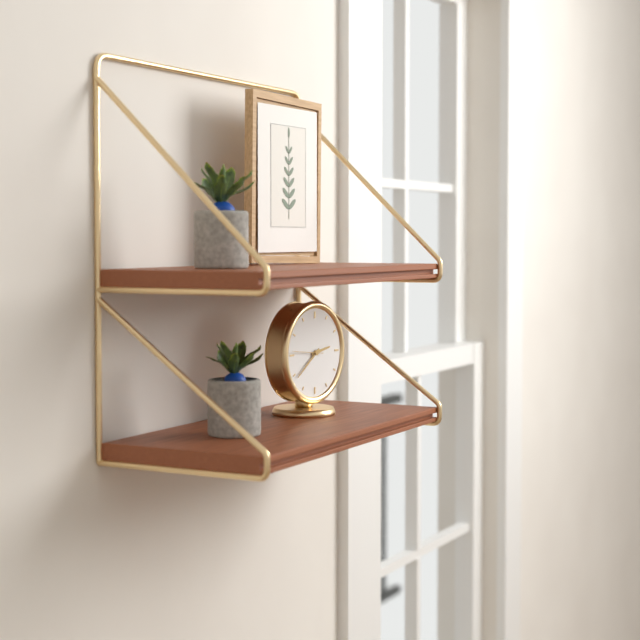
{"hour": 2, "minute": 39}
